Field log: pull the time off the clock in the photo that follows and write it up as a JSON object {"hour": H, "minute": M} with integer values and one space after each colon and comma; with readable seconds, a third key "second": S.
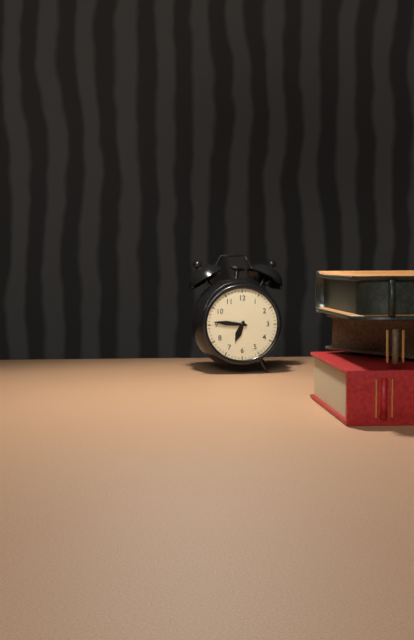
{"hour": 6, "minute": 46}
